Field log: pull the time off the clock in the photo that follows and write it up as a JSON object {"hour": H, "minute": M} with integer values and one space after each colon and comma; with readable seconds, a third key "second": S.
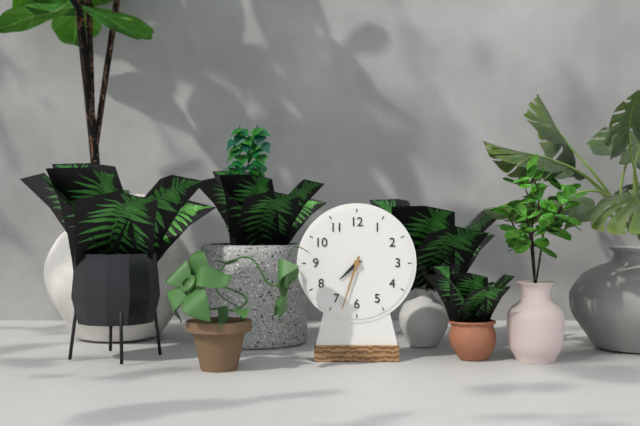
{"hour": 7, "minute": 33}
